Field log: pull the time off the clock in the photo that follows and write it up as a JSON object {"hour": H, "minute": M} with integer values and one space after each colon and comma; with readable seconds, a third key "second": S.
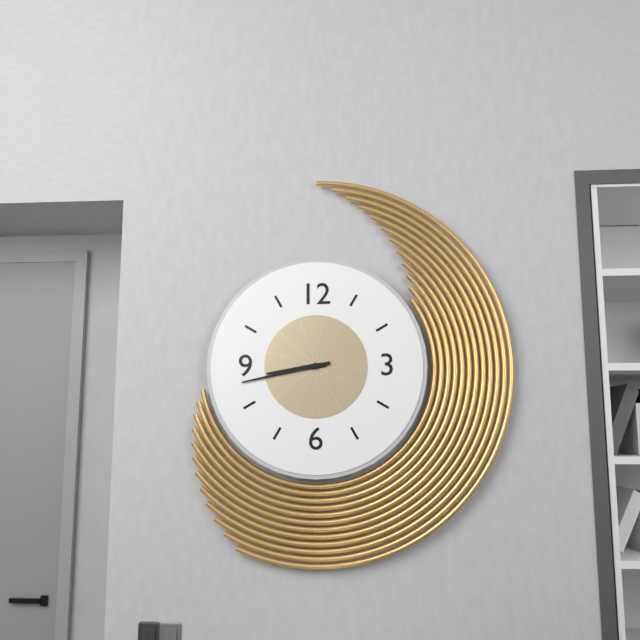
{"hour": 8, "minute": 43}
